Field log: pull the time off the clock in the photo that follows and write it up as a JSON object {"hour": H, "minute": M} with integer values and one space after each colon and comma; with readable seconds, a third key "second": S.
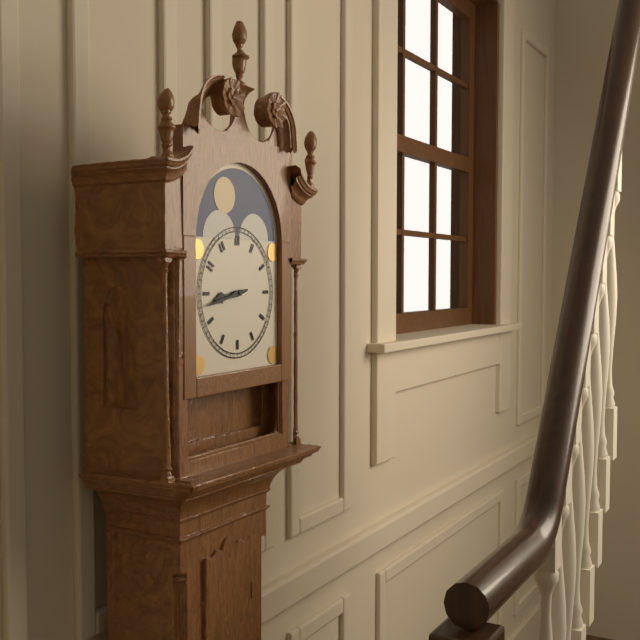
{"hour": 8, "minute": 43}
